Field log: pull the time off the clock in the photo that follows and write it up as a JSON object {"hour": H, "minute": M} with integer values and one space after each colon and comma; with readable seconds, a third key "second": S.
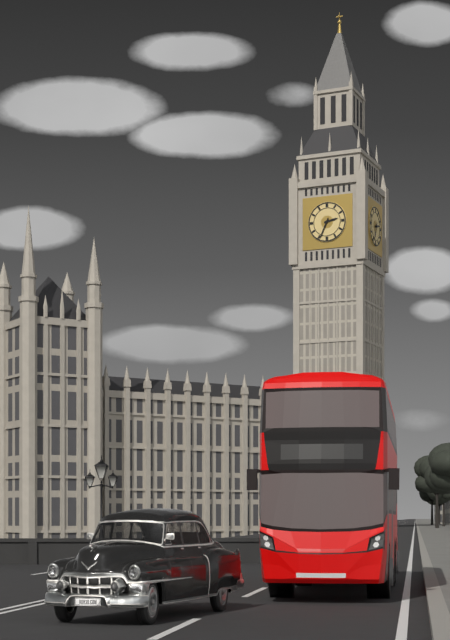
{"hour": 2, "minute": 34}
